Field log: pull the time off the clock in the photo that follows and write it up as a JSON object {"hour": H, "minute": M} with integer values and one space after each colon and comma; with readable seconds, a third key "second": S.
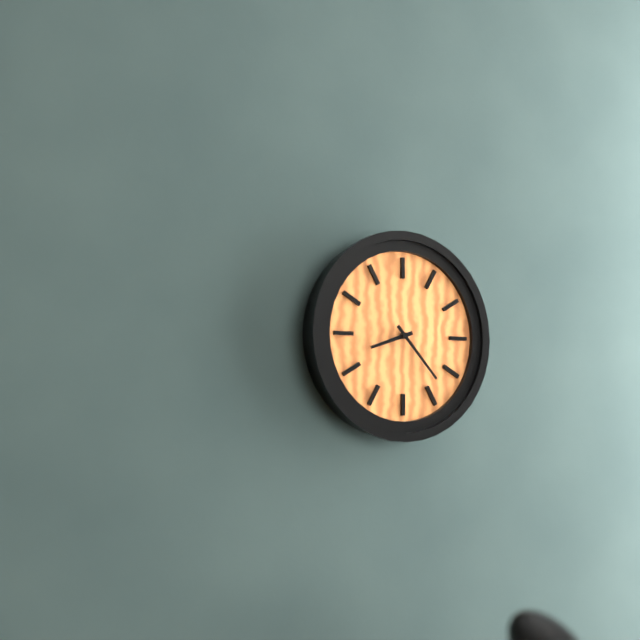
{"hour": 8, "minute": 23}
